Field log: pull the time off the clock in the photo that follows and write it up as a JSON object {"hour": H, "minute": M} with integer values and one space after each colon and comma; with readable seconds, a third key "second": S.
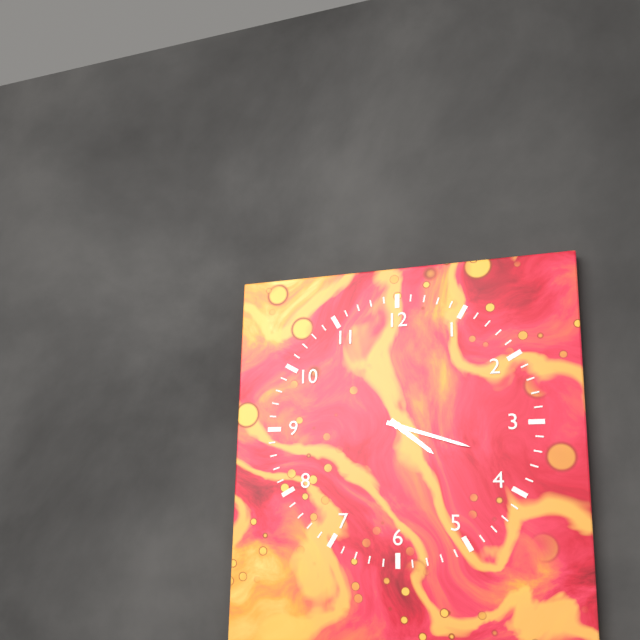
{"hour": 4, "minute": 18}
